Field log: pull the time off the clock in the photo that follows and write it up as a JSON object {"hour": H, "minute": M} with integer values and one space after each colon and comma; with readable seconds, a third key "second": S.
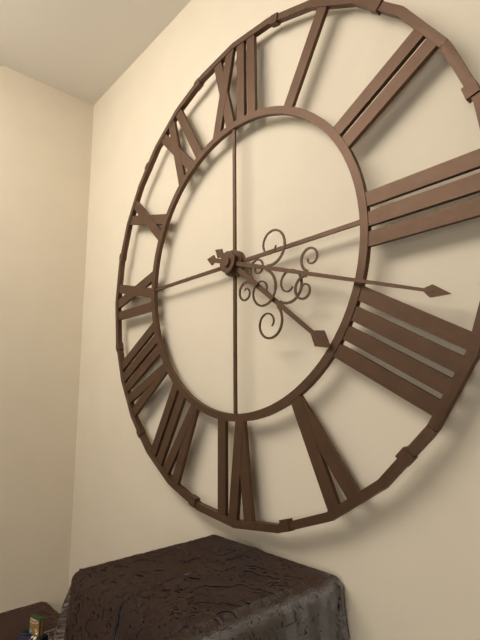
{"hour": 4, "minute": 18}
